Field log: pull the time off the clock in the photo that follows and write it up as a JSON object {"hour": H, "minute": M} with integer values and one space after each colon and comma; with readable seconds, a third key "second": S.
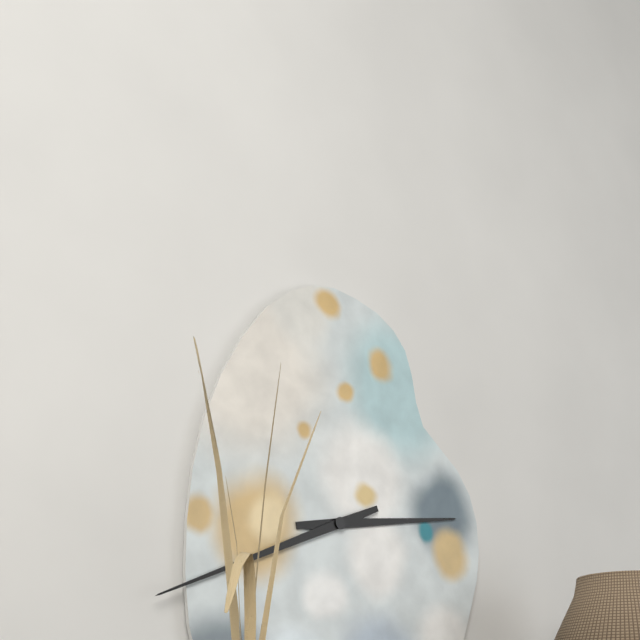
{"hour": 2, "minute": 41}
